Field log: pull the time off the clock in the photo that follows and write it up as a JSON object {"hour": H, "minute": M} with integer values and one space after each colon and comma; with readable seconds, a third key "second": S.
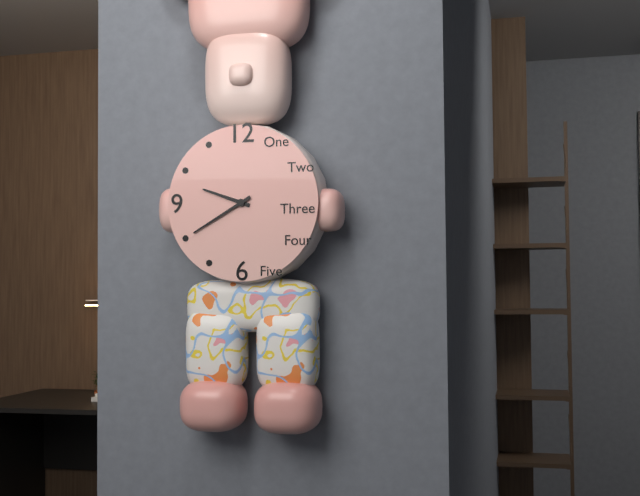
{"hour": 9, "minute": 40}
